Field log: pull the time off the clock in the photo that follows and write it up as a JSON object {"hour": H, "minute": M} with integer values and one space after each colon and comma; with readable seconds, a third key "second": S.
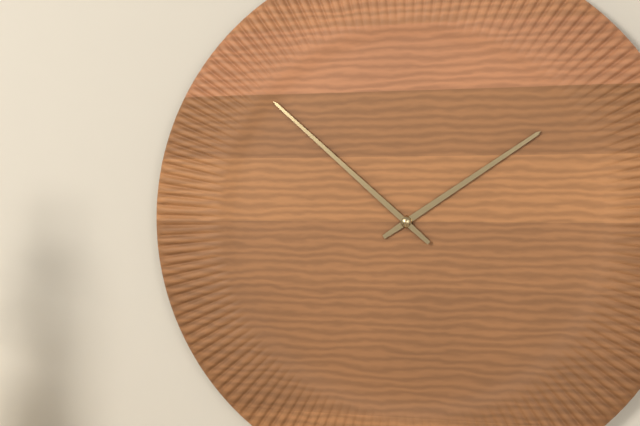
{"hour": 1, "minute": 52}
